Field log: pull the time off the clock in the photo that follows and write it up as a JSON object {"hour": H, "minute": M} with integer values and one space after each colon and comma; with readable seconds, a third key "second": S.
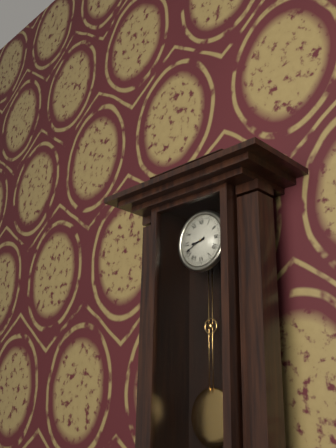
{"hour": 8, "minute": 41}
